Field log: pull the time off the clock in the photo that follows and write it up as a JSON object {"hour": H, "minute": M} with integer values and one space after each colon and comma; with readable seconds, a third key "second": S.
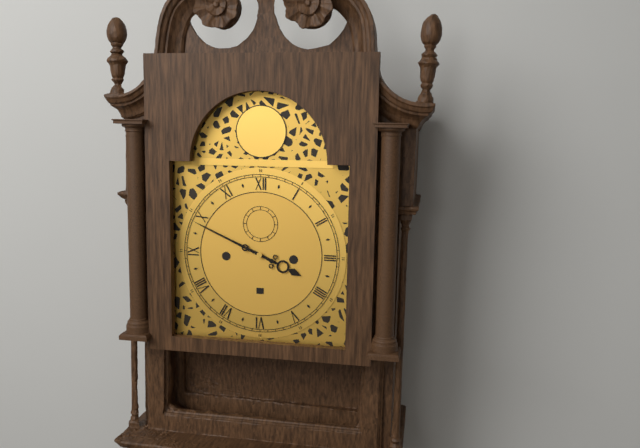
{"hour": 3, "minute": 49}
